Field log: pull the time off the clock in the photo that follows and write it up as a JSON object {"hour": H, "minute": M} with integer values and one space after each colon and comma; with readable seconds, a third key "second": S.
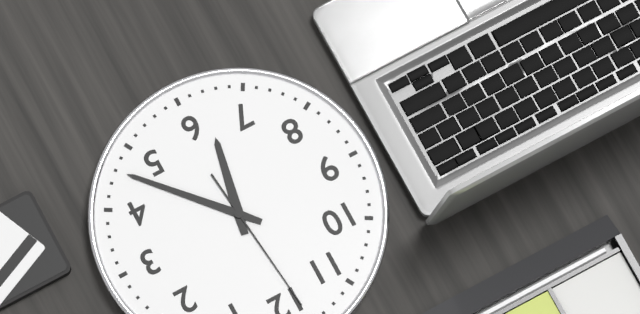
{"hour": 6, "minute": 23, "second": 59}
